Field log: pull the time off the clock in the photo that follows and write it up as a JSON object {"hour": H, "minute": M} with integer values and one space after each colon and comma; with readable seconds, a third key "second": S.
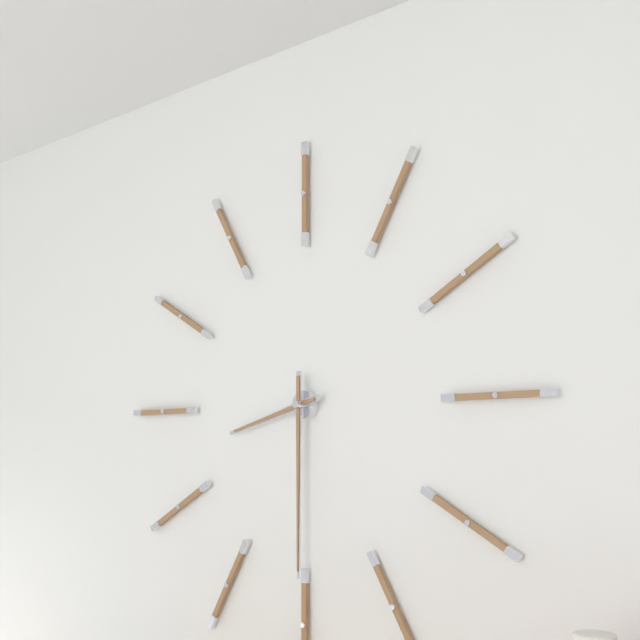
{"hour": 8, "minute": 30}
